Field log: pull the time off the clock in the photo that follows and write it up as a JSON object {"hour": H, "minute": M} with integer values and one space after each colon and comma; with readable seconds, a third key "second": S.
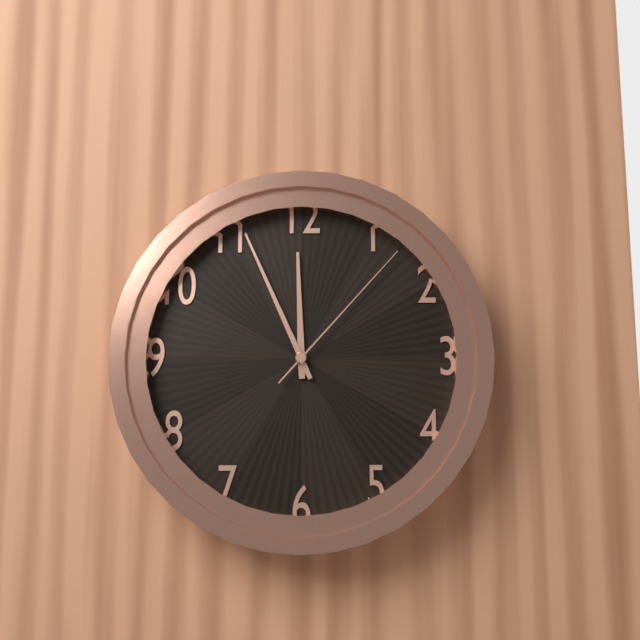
{"hour": 11, "minute": 56, "second": 7}
